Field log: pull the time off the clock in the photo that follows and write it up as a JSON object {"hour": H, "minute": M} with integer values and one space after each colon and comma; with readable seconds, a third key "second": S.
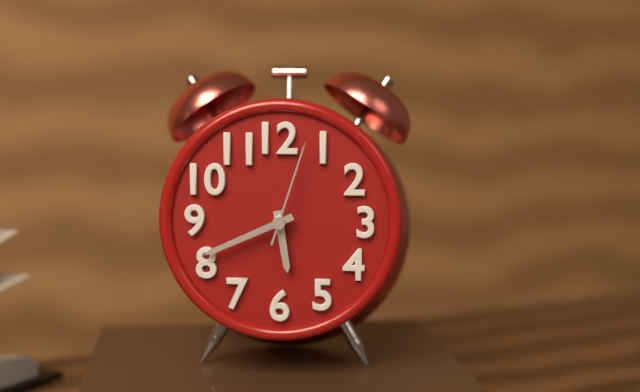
{"hour": 5, "minute": 41, "second": 3}
